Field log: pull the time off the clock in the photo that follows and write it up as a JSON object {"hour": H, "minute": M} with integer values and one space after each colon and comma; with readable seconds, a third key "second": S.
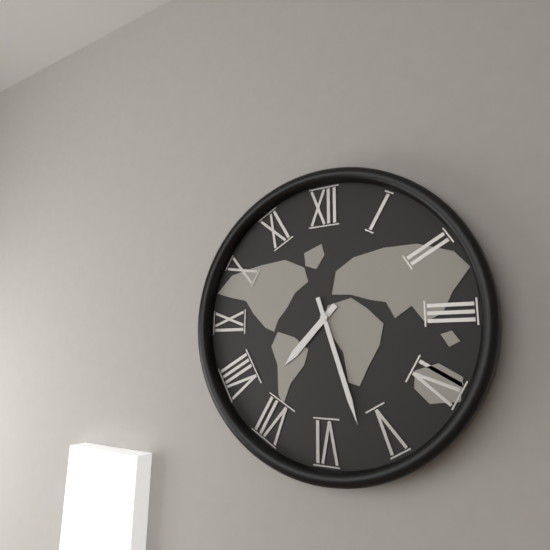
{"hour": 7, "minute": 27}
